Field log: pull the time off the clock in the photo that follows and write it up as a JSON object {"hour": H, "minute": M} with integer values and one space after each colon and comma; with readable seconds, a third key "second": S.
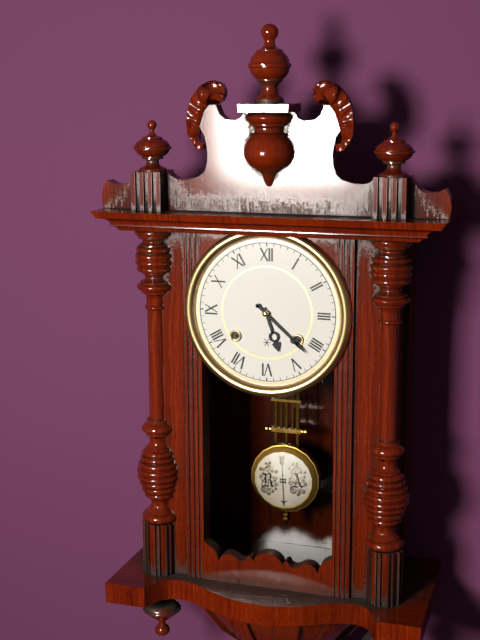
{"hour": 5, "minute": 22}
